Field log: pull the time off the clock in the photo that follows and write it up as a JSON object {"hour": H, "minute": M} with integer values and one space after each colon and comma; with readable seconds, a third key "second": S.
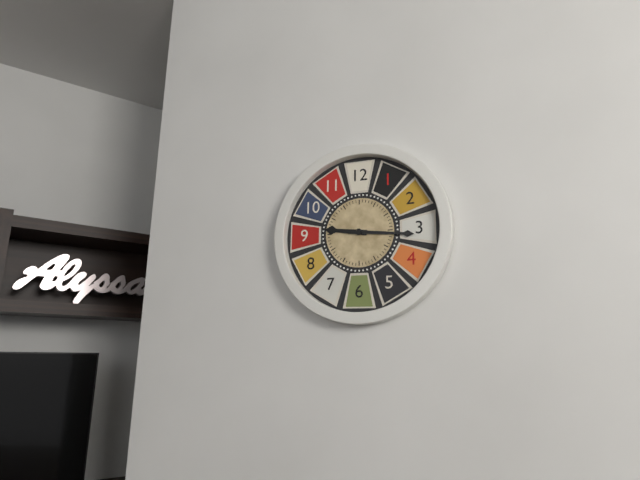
{"hour": 9, "minute": 16}
